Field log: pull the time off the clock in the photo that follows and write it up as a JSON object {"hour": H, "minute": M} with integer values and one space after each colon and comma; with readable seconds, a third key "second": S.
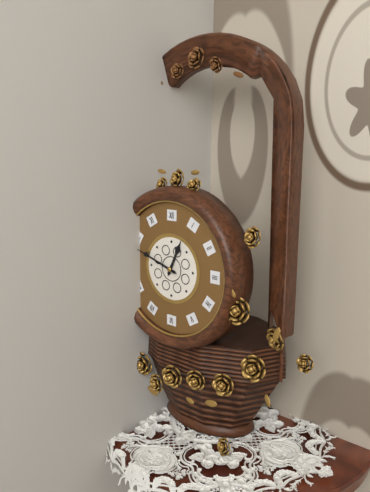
{"hour": 12, "minute": 48}
